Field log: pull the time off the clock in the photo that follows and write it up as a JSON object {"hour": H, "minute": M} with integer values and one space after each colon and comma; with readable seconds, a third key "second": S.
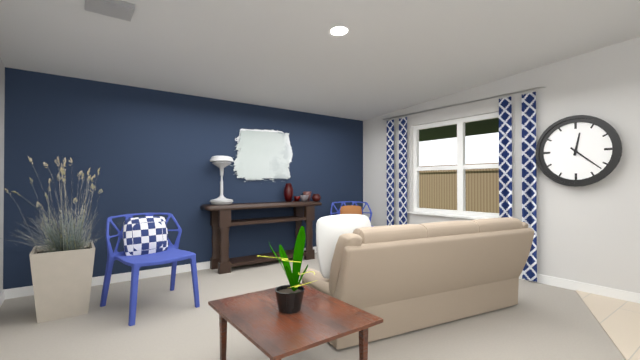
{"hour": 12, "minute": 22}
